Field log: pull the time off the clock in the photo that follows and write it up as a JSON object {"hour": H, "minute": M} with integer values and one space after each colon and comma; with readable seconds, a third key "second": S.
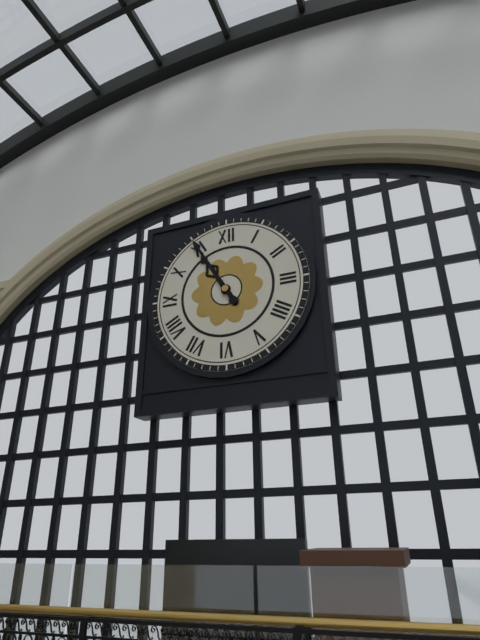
{"hour": 10, "minute": 55}
